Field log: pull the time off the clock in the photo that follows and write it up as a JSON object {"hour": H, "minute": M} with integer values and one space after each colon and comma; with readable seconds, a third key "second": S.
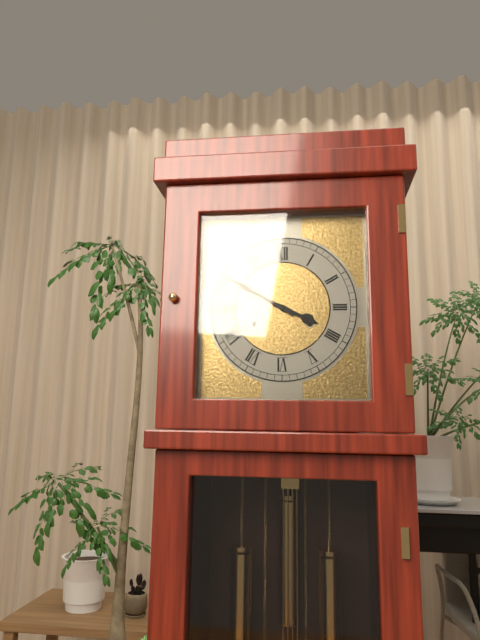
{"hour": 3, "minute": 50}
